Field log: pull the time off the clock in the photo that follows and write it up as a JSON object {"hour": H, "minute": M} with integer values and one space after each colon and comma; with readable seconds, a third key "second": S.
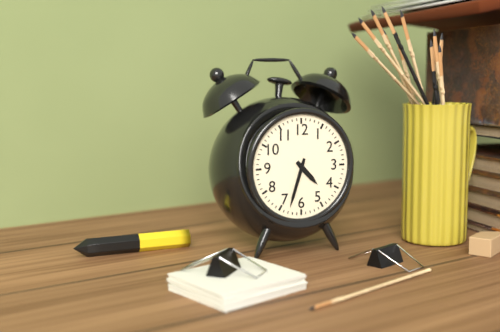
{"hour": 4, "minute": 33}
